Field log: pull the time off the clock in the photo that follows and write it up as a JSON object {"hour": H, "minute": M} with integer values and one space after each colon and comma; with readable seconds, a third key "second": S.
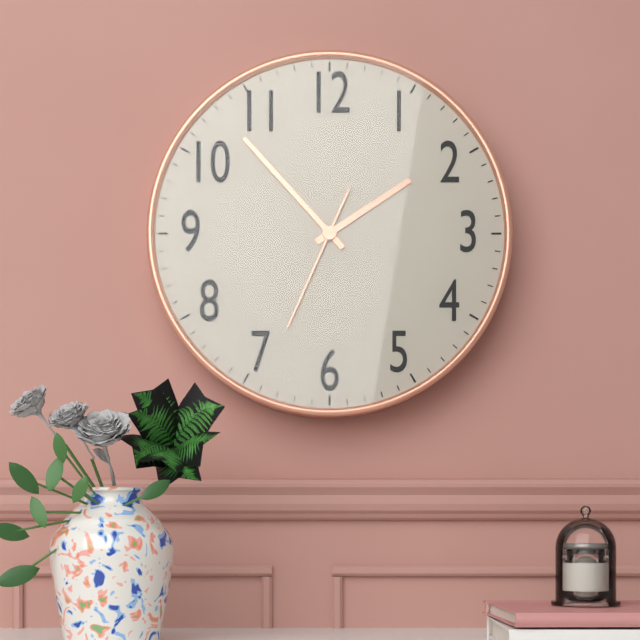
{"hour": 1, "minute": 53, "second": 34}
